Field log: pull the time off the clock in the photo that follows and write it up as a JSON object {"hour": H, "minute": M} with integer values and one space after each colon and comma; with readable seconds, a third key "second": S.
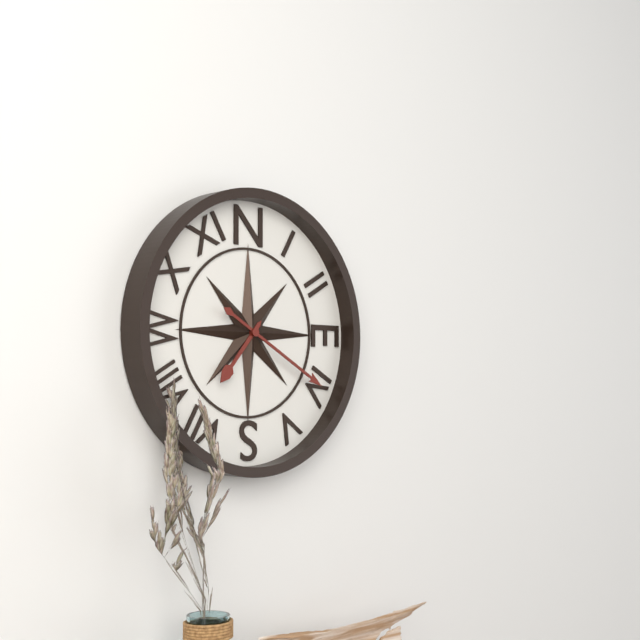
{"hour": 7, "minute": 20}
